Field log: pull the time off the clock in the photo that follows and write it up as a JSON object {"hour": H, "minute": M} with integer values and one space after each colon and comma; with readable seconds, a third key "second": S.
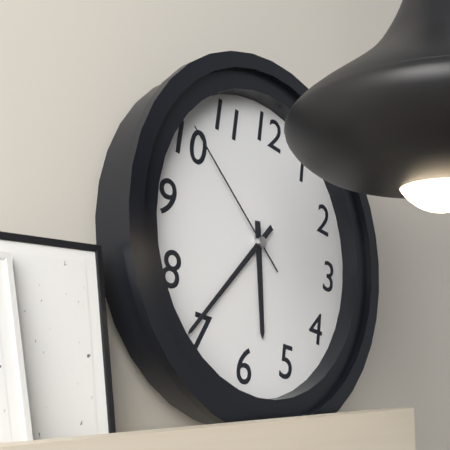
{"hour": 5, "minute": 36, "second": 51}
